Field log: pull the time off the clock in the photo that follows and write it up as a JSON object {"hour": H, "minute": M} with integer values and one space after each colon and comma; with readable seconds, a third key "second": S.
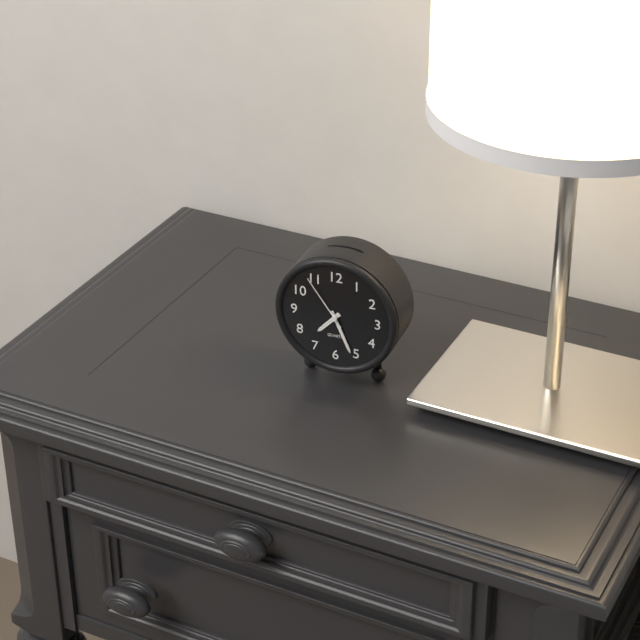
{"hour": 7, "minute": 26, "second": 54}
